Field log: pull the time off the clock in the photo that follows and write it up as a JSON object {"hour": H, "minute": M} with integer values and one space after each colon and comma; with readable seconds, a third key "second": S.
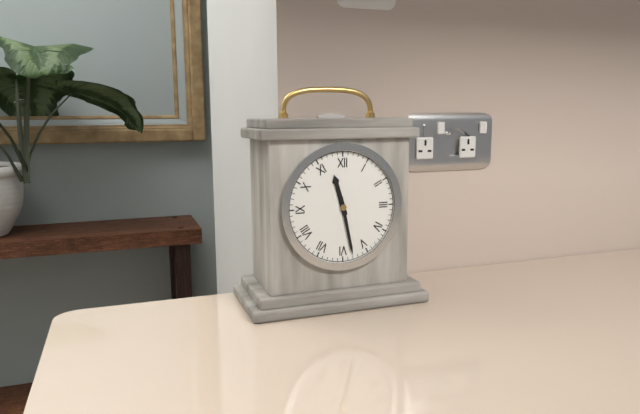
{"hour": 11, "minute": 28}
